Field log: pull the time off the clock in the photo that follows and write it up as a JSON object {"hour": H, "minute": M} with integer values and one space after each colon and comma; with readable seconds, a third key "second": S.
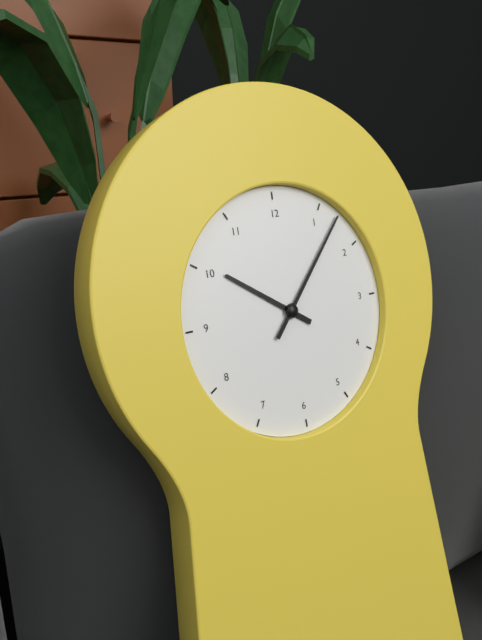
{"hour": 10, "minute": 7}
